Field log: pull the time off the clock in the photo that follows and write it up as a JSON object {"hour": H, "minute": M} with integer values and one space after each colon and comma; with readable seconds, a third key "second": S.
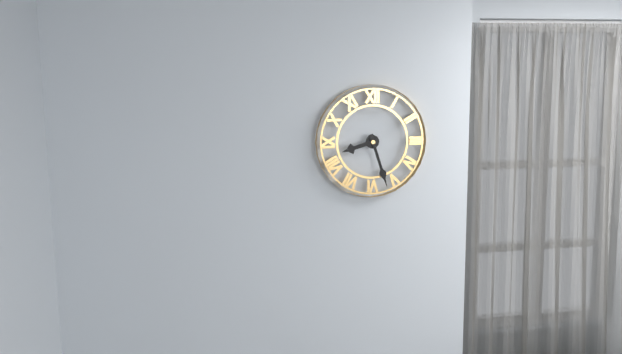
{"hour": 8, "minute": 27}
